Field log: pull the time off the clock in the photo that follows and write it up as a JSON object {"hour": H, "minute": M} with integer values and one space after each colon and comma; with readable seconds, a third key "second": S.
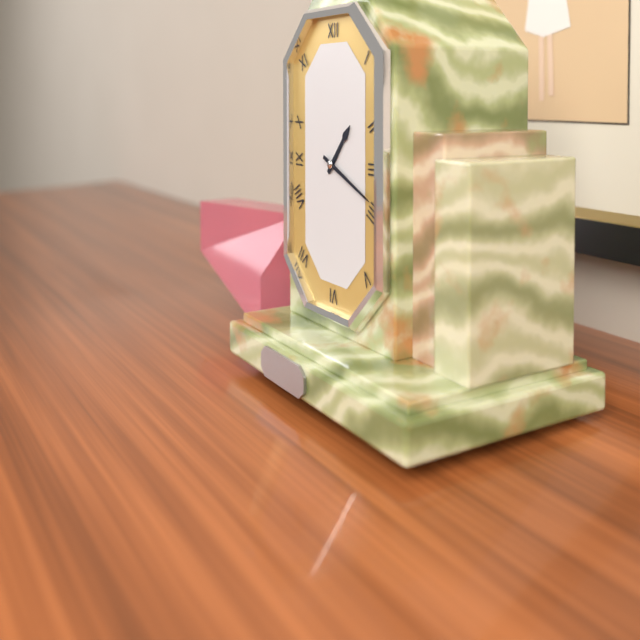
{"hour": 1, "minute": 19}
